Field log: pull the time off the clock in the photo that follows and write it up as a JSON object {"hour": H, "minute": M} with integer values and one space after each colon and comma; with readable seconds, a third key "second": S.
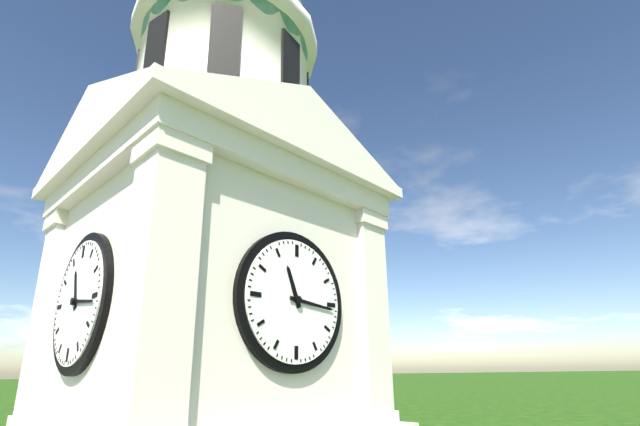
{"hour": 11, "minute": 16}
